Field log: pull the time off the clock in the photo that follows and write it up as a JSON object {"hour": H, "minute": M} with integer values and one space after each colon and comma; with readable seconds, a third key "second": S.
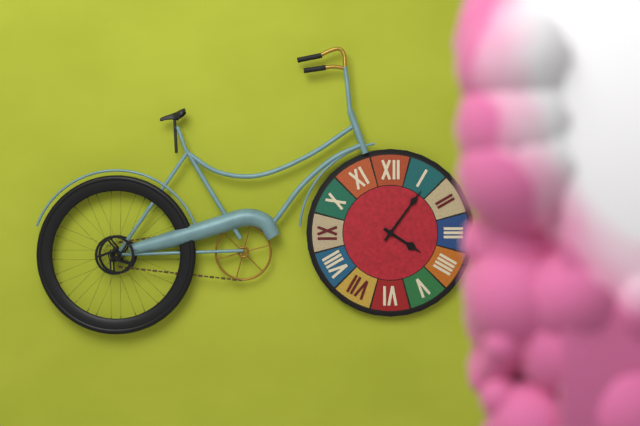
{"hour": 4, "minute": 6}
